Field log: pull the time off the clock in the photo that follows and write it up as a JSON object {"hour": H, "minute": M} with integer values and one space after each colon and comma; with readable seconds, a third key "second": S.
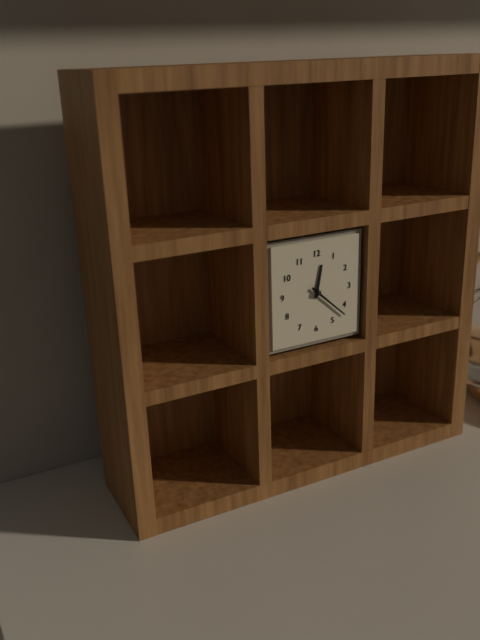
{"hour": 12, "minute": 22}
